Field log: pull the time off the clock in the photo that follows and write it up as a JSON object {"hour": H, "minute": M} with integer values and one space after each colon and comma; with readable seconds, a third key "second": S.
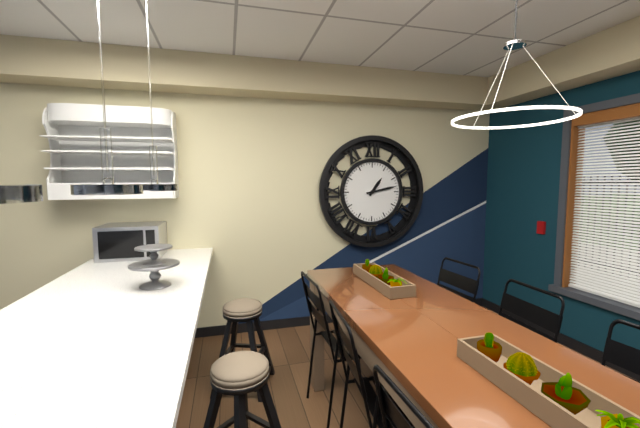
{"hour": 1, "minute": 13}
